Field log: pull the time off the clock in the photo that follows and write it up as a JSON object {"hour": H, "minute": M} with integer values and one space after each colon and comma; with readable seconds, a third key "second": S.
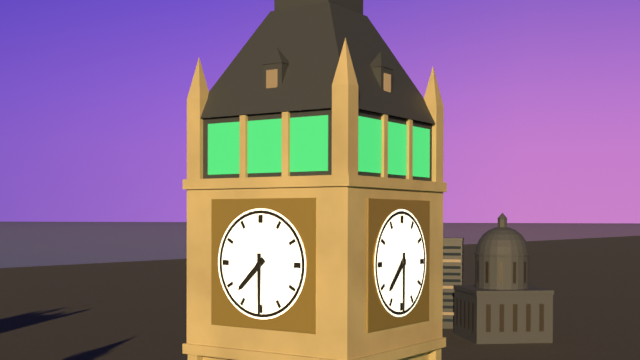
{"hour": 7, "minute": 30}
